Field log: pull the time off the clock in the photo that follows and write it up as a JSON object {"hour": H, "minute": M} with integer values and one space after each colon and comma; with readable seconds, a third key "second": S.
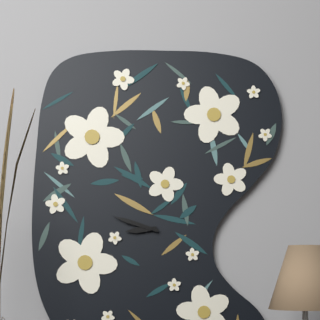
{"hour": 8, "minute": 48}
